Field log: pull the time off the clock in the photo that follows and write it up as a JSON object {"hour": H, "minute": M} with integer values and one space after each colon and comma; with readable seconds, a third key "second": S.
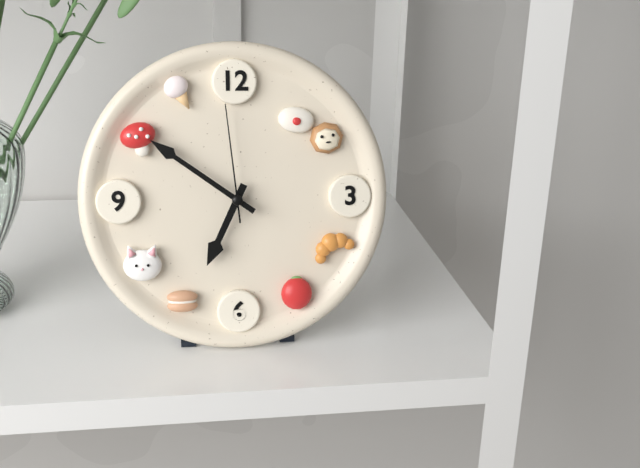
{"hour": 6, "minute": 51, "second": 59}
